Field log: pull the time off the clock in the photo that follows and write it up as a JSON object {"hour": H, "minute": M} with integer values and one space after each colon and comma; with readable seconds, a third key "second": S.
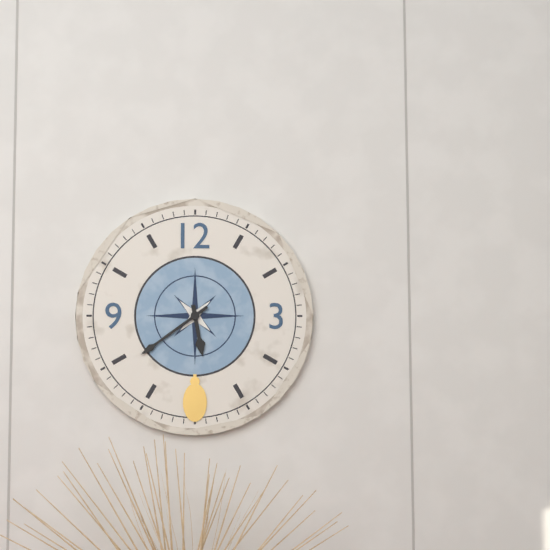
{"hour": 5, "minute": 39}
